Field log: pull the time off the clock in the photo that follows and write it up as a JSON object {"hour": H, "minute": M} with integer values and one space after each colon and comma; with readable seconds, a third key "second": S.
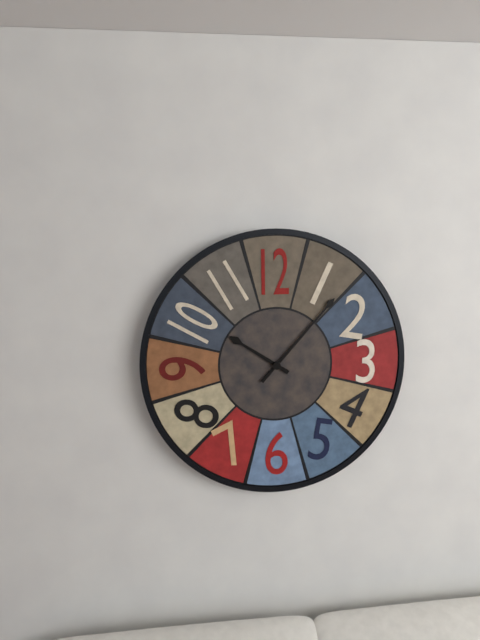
{"hour": 10, "minute": 7}
